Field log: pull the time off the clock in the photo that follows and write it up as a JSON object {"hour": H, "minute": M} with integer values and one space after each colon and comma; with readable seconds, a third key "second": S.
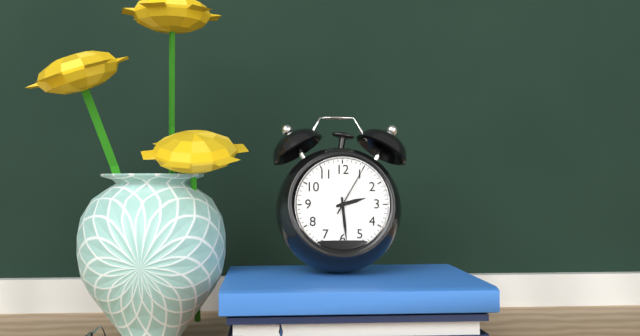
{"hour": 2, "minute": 29, "second": 5}
